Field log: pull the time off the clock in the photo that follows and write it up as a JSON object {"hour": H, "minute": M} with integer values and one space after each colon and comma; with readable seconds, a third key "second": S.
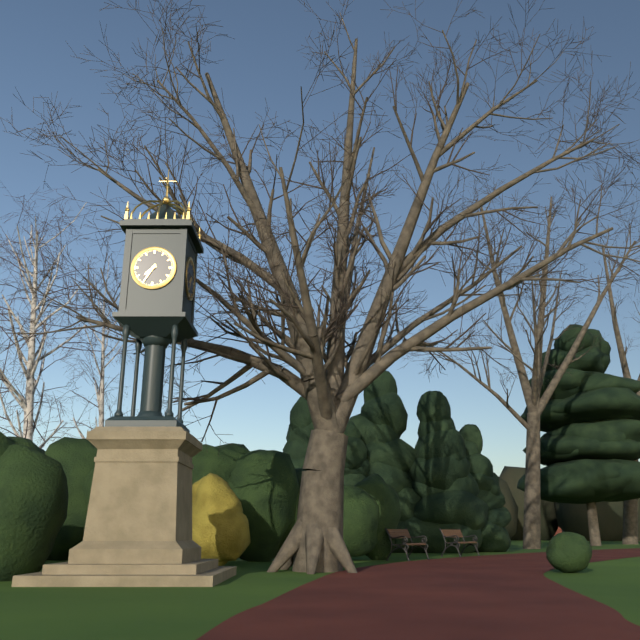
{"hour": 7, "minute": 35}
